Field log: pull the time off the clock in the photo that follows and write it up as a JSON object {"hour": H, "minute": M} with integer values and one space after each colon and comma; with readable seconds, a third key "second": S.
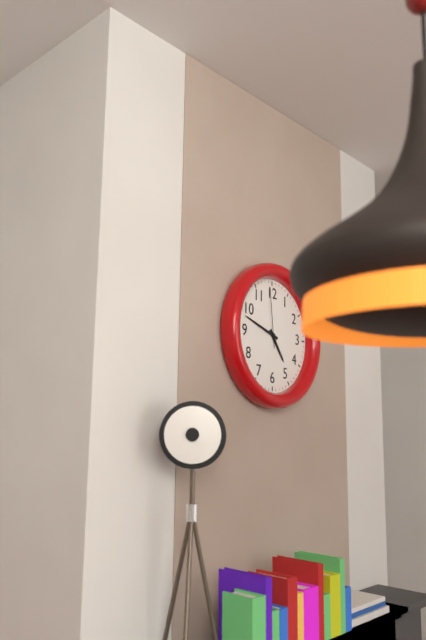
{"hour": 4, "minute": 48, "second": 59}
